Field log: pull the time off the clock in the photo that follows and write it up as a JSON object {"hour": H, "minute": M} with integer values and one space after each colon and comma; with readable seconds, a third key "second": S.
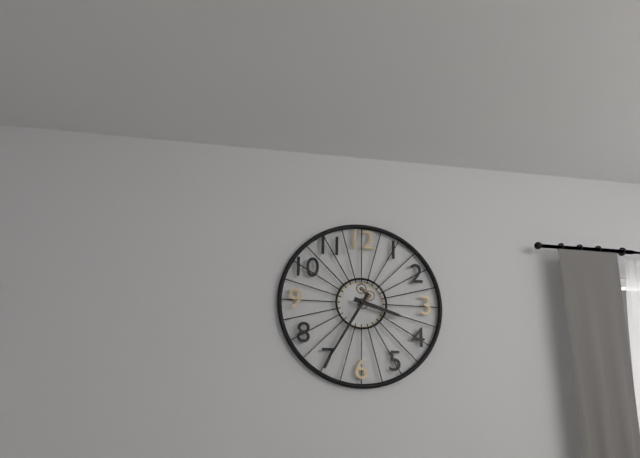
{"hour": 3, "minute": 35}
